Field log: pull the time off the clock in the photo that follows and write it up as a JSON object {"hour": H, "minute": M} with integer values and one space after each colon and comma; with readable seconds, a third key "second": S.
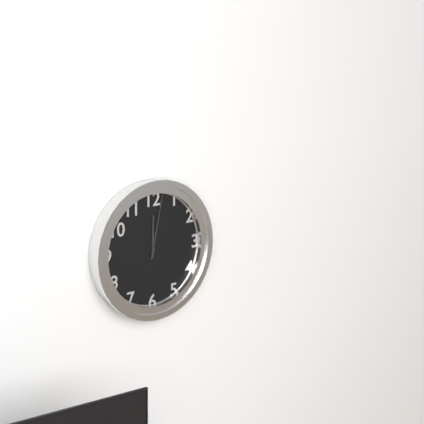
{"hour": 12, "minute": 2}
